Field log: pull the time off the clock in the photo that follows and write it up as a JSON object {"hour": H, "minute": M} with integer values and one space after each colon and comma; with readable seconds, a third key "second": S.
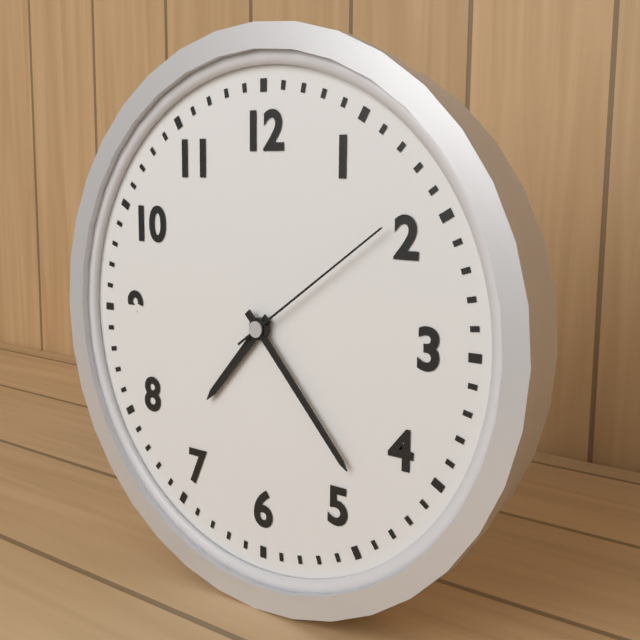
{"hour": 7, "minute": 23, "second": 9}
